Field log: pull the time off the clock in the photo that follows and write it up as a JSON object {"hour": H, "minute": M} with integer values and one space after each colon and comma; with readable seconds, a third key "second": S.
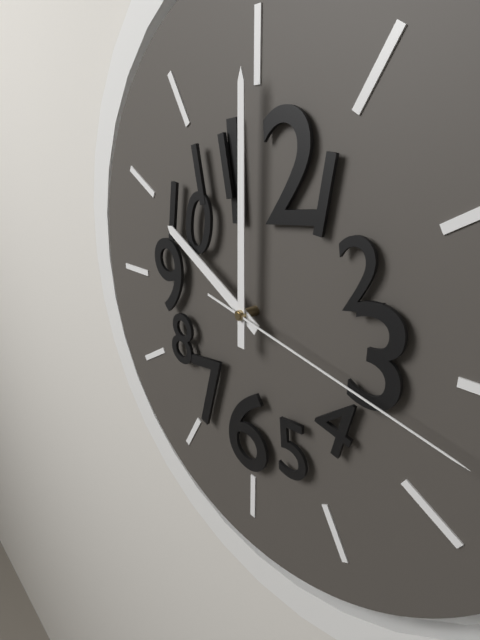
{"hour": 10, "minute": 0, "second": 17}
